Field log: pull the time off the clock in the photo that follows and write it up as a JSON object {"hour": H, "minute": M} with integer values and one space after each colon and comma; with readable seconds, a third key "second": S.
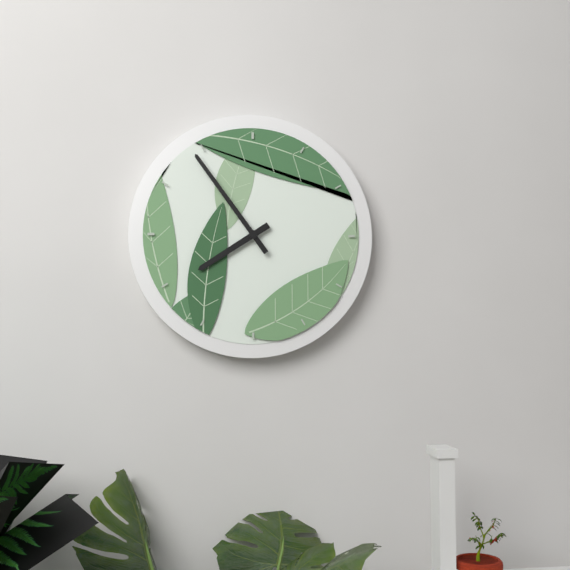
{"hour": 7, "minute": 54}
